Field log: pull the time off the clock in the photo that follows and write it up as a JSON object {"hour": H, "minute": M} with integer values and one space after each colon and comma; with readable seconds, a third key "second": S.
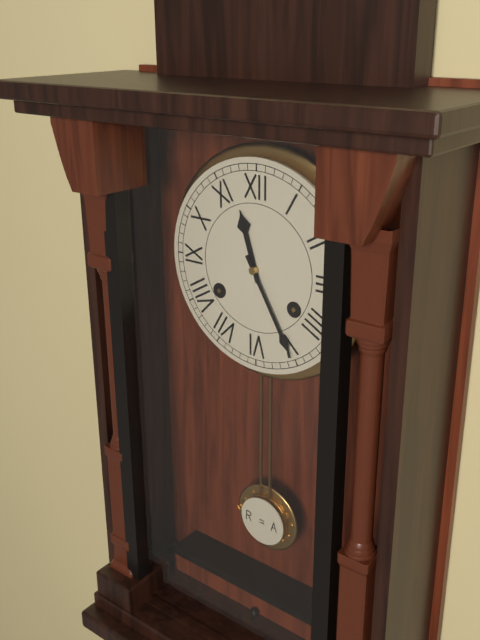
{"hour": 11, "minute": 25}
